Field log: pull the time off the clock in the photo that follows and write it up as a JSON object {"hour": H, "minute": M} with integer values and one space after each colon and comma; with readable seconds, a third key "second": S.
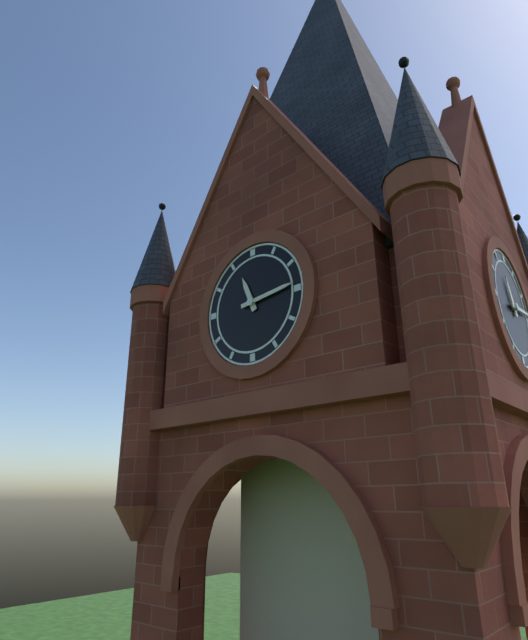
{"hour": 11, "minute": 14}
